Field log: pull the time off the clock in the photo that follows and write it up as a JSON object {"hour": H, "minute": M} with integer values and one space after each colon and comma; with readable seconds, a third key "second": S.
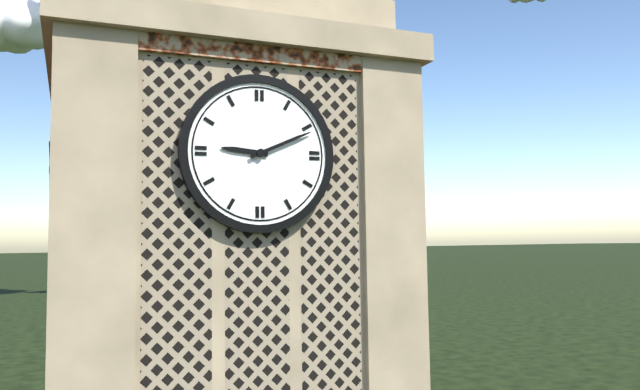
{"hour": 9, "minute": 11}
